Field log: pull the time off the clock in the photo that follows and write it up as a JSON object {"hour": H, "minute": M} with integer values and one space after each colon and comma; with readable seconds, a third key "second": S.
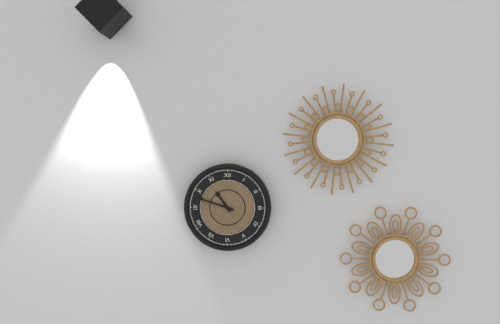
{"hour": 10, "minute": 48}
